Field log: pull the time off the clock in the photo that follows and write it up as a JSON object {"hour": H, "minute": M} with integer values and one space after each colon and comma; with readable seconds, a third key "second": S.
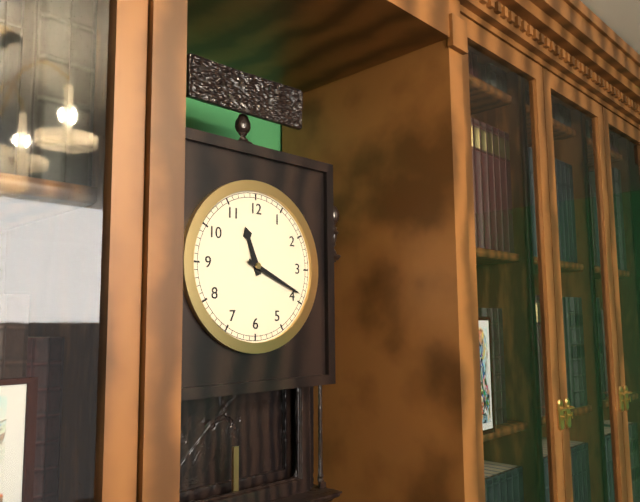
{"hour": 11, "minute": 19}
